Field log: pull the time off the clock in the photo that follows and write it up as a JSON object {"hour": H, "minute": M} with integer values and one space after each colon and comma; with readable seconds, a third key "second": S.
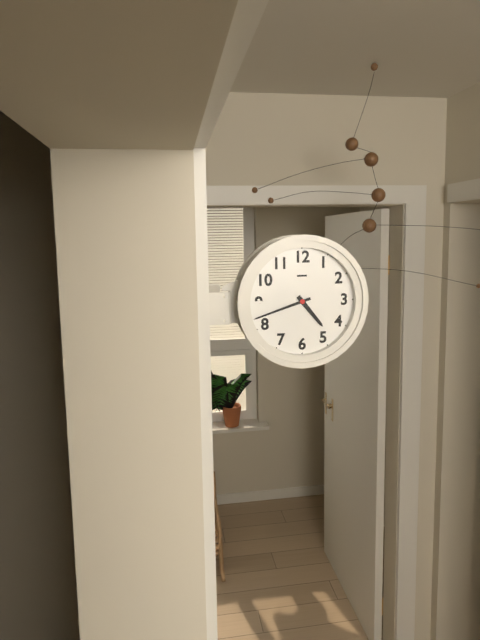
{"hour": 4, "minute": 42}
